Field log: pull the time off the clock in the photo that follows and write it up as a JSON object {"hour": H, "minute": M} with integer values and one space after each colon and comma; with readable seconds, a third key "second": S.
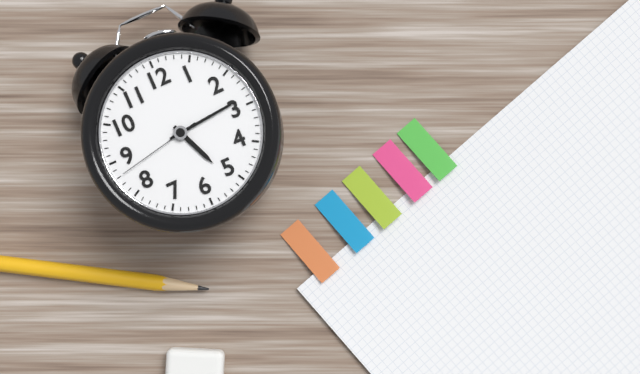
{"hour": 5, "minute": 14, "second": 43}
